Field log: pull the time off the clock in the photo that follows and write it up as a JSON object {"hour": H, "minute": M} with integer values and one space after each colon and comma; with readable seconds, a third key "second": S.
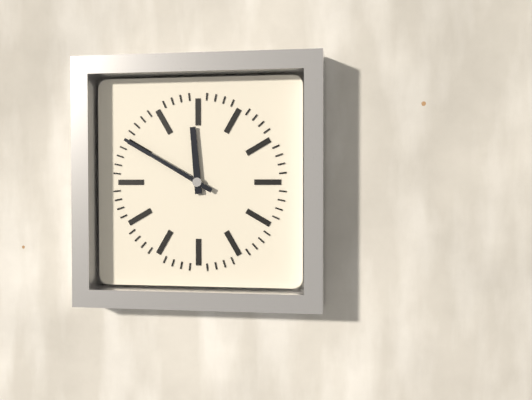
{"hour": 11, "minute": 50}
